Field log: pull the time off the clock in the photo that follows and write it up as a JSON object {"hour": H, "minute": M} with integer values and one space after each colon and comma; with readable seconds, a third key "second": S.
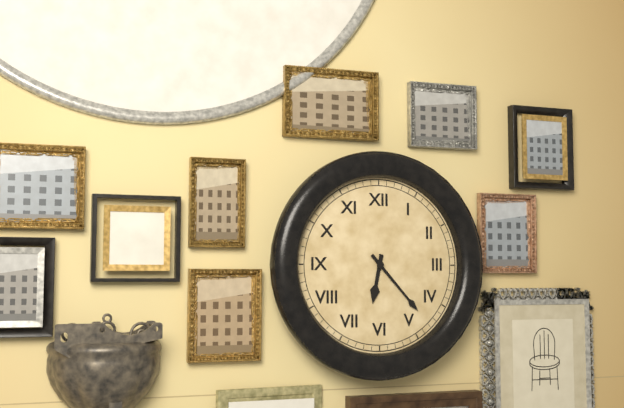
{"hour": 6, "minute": 23}
